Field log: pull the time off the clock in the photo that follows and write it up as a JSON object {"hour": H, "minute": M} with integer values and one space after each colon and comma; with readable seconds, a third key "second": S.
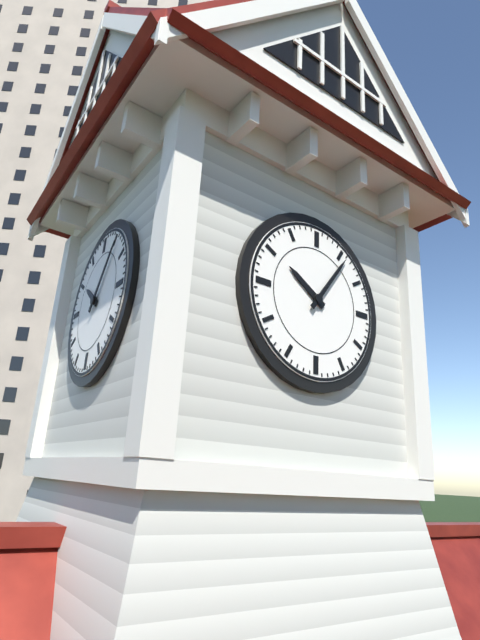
{"hour": 10, "minute": 6}
